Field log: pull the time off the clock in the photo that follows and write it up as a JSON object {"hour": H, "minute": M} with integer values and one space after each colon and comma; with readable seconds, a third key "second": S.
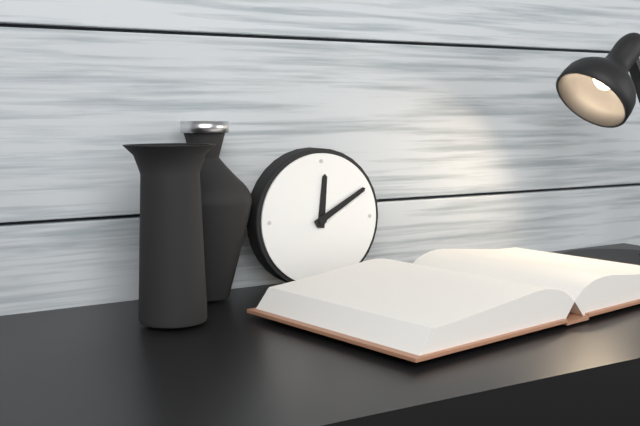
{"hour": 12, "minute": 10}
